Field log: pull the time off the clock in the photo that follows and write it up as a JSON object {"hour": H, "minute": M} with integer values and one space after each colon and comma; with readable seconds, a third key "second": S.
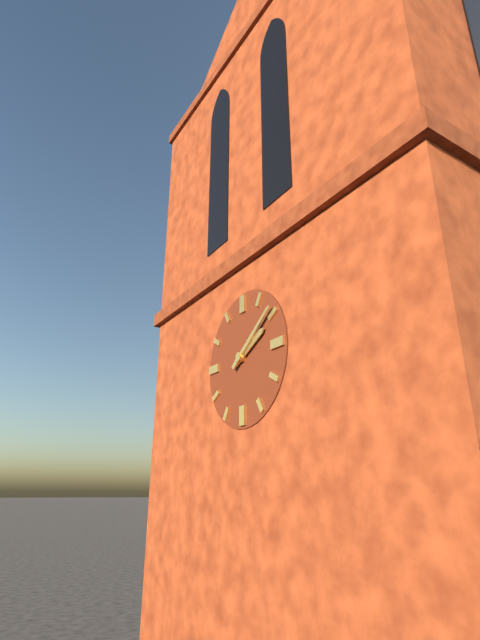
{"hour": 2, "minute": 9}
